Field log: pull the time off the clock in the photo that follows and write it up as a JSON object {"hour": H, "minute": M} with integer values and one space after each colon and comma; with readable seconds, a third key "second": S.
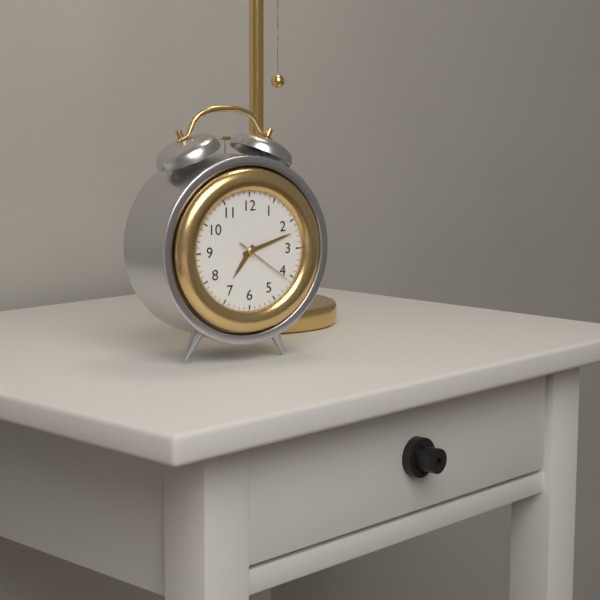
{"hour": 7, "minute": 12, "second": 21}
